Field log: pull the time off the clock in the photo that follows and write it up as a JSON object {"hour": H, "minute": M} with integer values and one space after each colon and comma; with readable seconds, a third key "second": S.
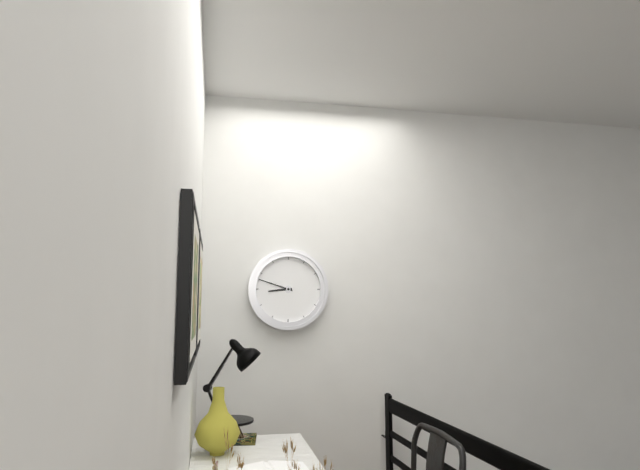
{"hour": 8, "minute": 48}
